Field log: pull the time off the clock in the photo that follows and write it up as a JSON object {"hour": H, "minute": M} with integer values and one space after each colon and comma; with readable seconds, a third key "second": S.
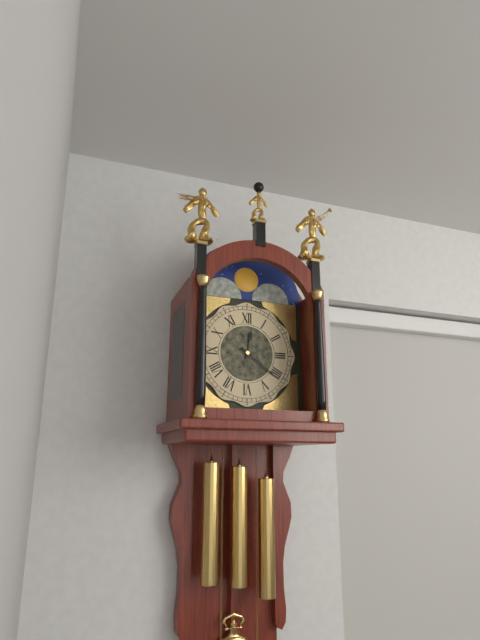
{"hour": 12, "minute": 21}
